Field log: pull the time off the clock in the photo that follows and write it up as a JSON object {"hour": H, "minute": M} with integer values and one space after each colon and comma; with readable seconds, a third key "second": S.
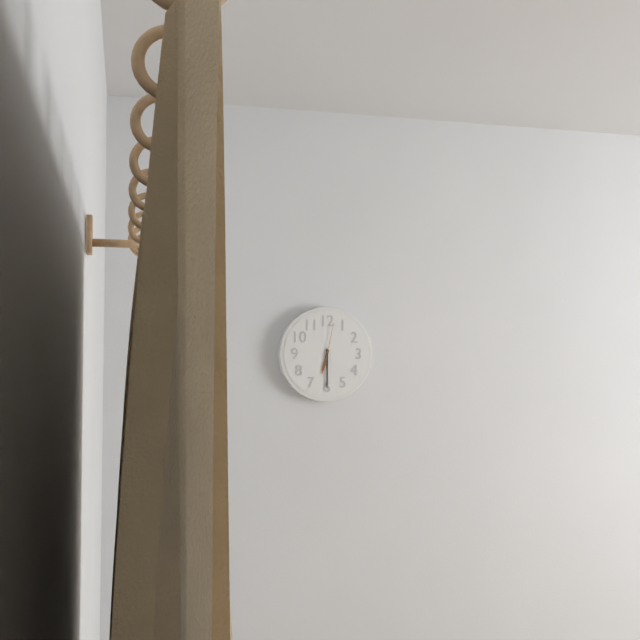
{"hour": 6, "minute": 30}
